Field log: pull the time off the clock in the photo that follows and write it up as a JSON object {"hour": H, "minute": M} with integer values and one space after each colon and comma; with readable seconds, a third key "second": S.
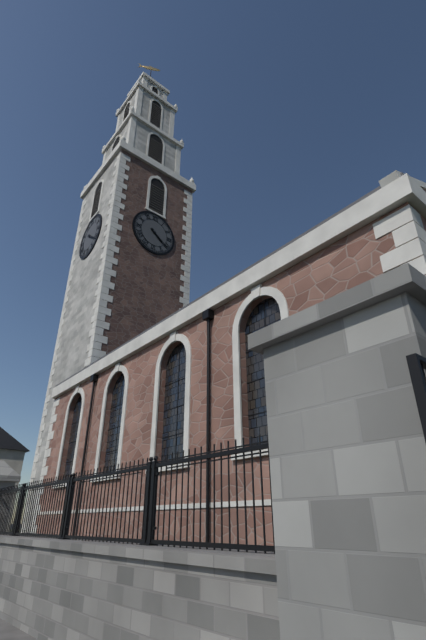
{"hour": 4, "minute": 21}
